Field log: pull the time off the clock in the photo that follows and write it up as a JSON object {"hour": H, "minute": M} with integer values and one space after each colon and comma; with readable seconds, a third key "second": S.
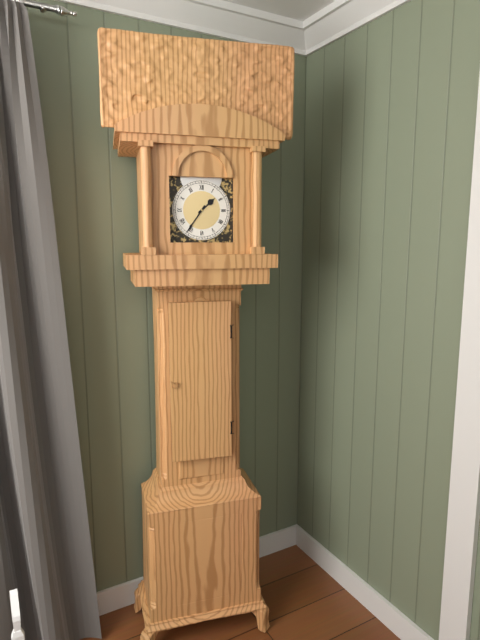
{"hour": 1, "minute": 36}
